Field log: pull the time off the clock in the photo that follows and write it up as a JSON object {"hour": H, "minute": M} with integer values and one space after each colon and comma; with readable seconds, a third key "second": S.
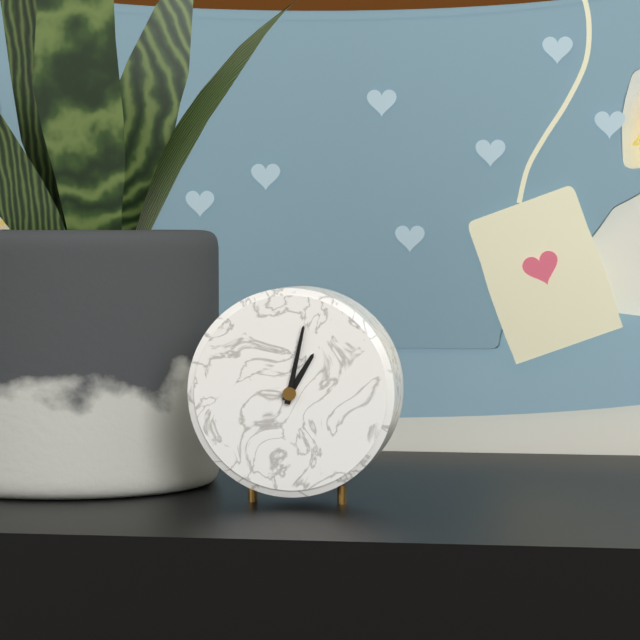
{"hour": 1, "minute": 2}
